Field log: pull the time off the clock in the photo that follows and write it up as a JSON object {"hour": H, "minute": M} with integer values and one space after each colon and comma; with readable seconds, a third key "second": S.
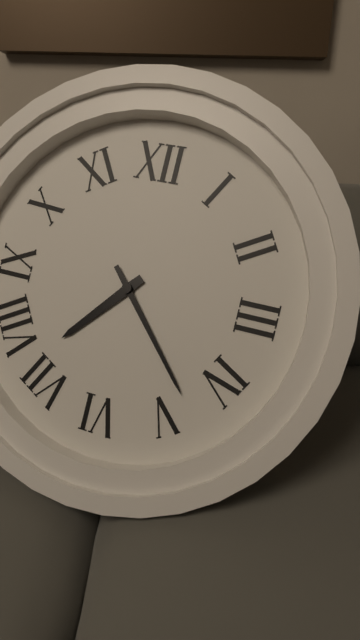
{"hour": 7, "minute": 23}
